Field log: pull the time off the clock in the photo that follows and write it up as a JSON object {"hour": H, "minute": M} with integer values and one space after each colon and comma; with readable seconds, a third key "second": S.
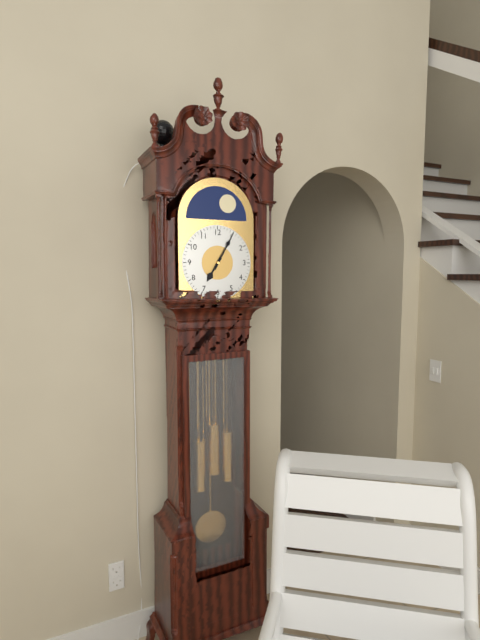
{"hour": 7, "minute": 5}
